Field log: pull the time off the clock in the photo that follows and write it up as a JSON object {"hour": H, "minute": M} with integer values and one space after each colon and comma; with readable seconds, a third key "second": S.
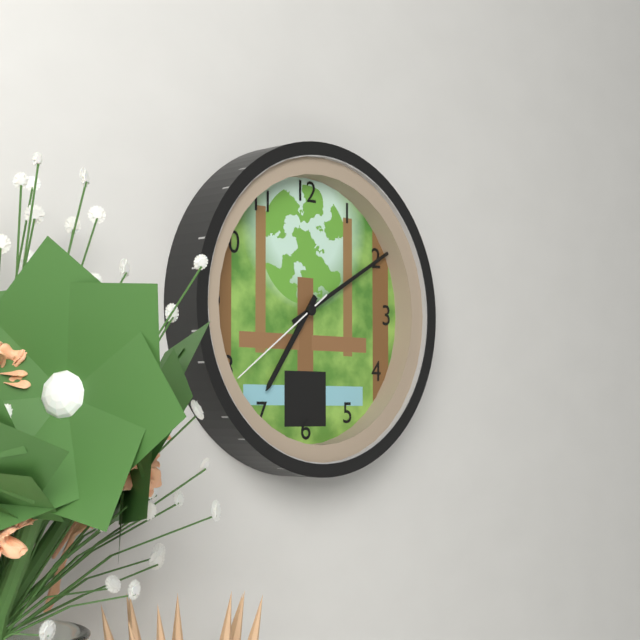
{"hour": 7, "minute": 10, "second": 39}
